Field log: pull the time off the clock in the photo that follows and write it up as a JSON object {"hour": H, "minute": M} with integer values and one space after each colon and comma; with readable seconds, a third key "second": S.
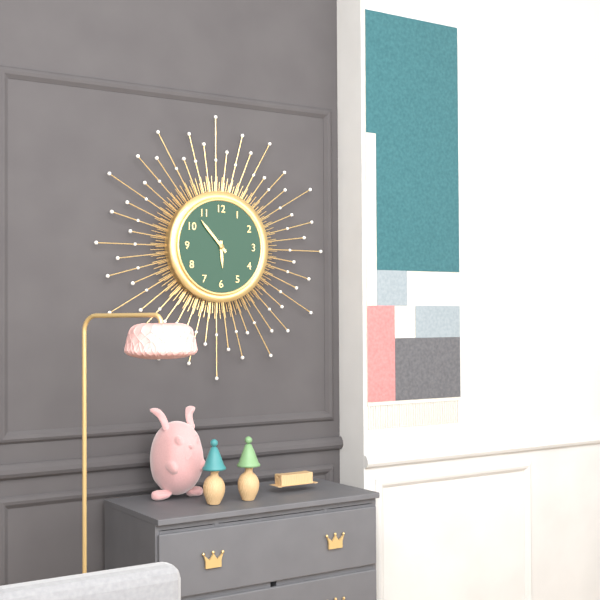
{"hour": 5, "minute": 53}
